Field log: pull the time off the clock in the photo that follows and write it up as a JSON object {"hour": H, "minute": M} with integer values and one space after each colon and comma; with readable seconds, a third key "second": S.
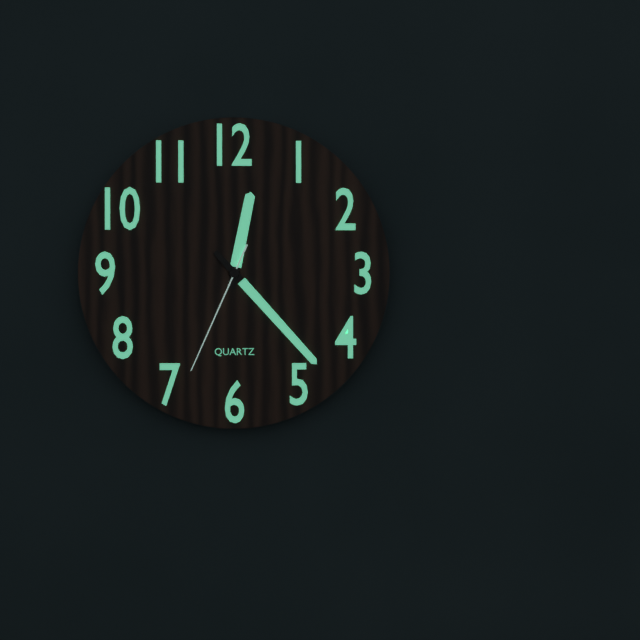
{"hour": 12, "minute": 23, "second": 34}
